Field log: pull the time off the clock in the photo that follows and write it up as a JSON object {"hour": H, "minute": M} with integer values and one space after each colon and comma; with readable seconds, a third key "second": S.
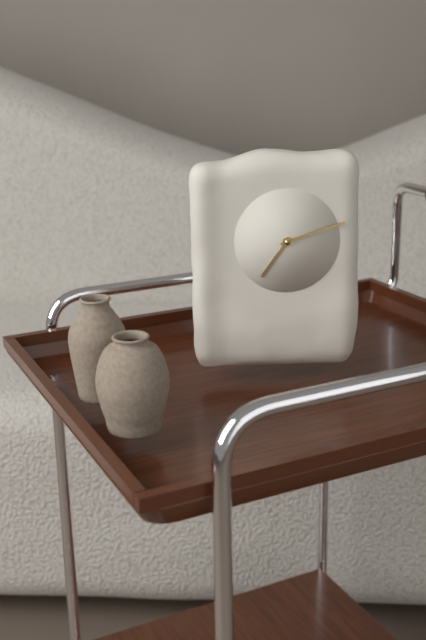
{"hour": 7, "minute": 12}
